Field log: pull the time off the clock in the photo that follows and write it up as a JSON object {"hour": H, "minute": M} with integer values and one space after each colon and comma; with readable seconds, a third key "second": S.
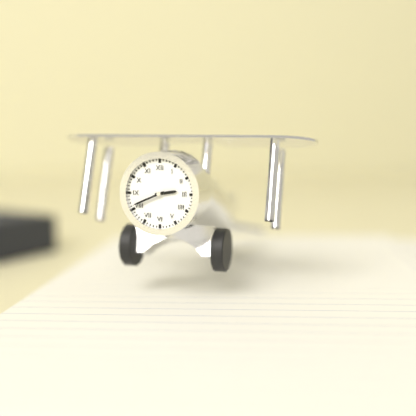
{"hour": 2, "minute": 41}
